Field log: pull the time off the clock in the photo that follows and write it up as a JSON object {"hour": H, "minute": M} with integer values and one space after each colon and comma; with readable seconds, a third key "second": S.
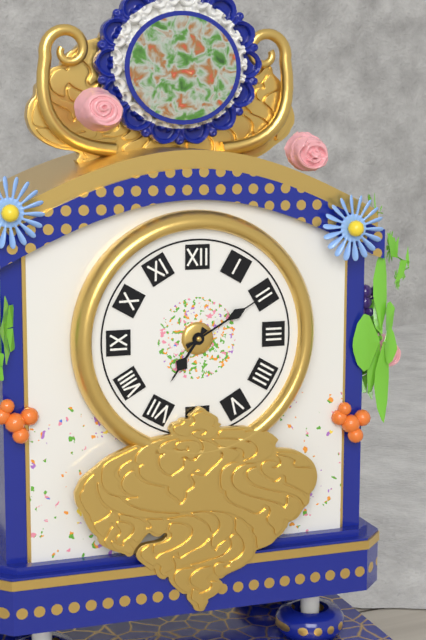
{"hour": 7, "minute": 10}
